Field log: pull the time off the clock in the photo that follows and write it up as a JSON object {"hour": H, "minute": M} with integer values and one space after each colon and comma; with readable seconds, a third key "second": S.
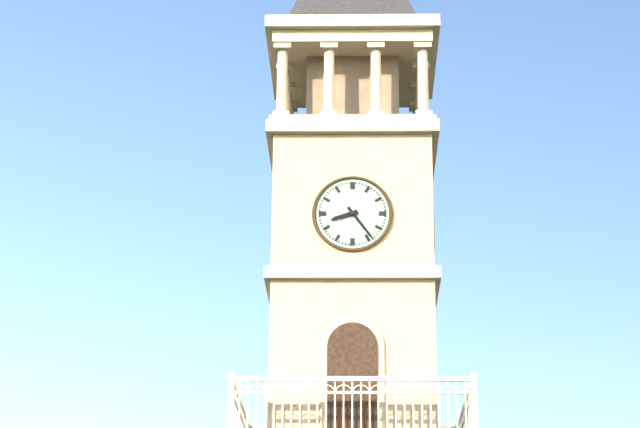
{"hour": 8, "minute": 24}
